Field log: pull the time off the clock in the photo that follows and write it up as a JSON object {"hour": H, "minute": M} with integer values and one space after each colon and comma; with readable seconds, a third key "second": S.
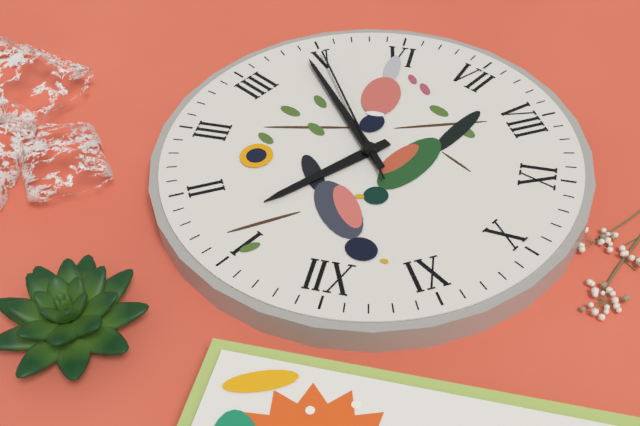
{"hour": 1, "minute": 24, "second": 25}
